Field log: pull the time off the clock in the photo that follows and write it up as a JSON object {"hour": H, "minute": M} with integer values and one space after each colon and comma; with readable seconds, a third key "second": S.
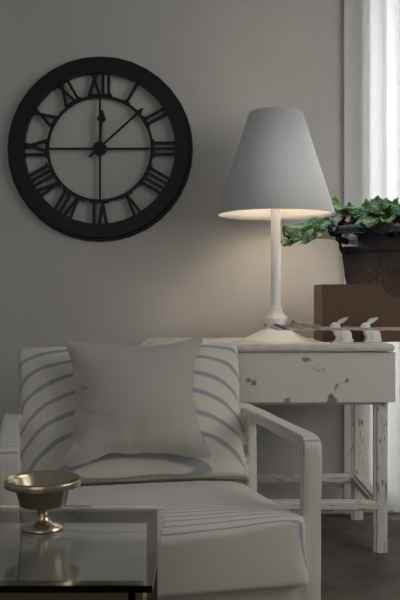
{"hour": 12, "minute": 8}
